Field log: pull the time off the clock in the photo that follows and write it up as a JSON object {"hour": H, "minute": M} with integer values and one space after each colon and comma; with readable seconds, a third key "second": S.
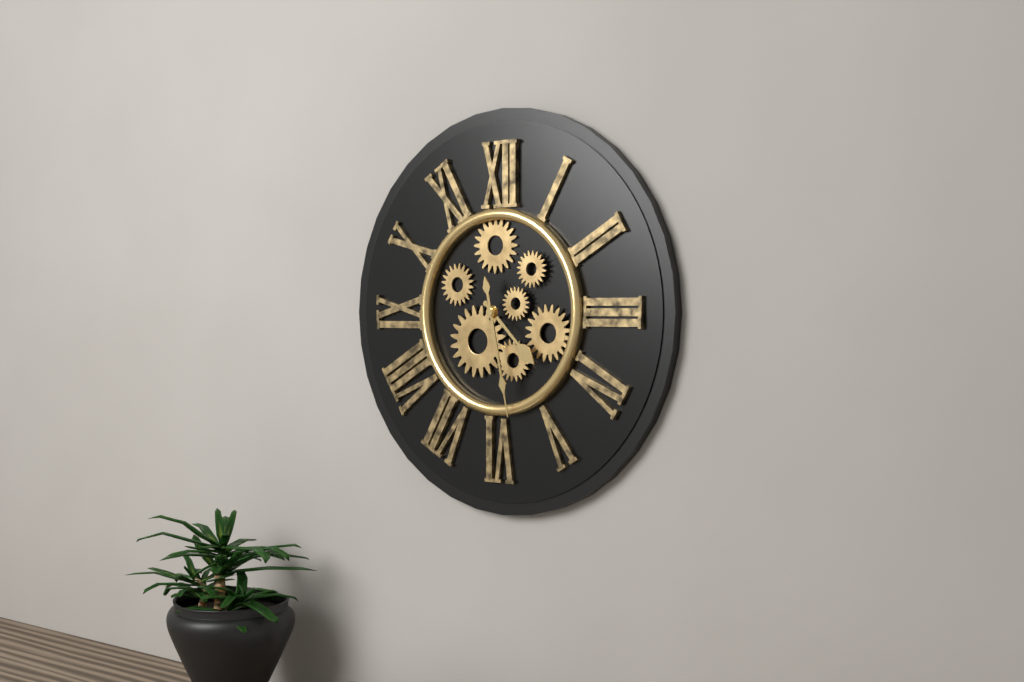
{"hour": 4, "minute": 28}
